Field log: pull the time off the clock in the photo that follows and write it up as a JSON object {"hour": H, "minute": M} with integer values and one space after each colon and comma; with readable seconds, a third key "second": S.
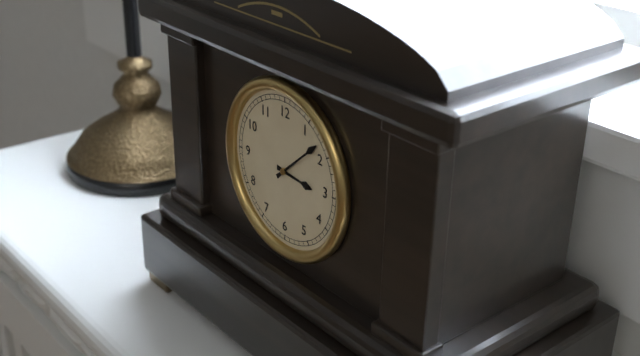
{"hour": 3, "minute": 8}
